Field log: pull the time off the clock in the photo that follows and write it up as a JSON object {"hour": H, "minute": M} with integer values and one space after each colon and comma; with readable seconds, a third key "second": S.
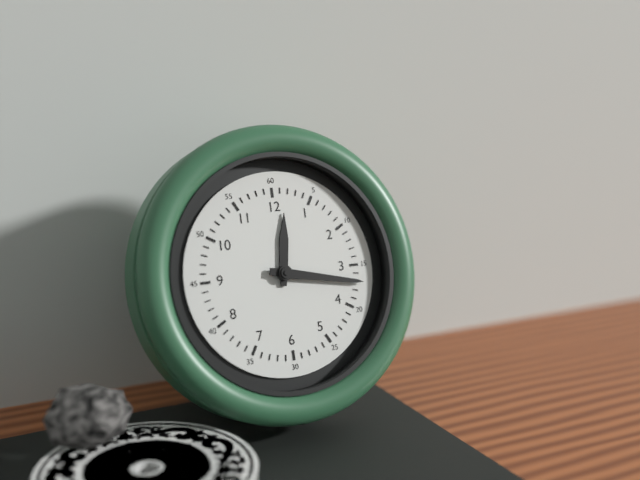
{"hour": 12, "minute": 17}
